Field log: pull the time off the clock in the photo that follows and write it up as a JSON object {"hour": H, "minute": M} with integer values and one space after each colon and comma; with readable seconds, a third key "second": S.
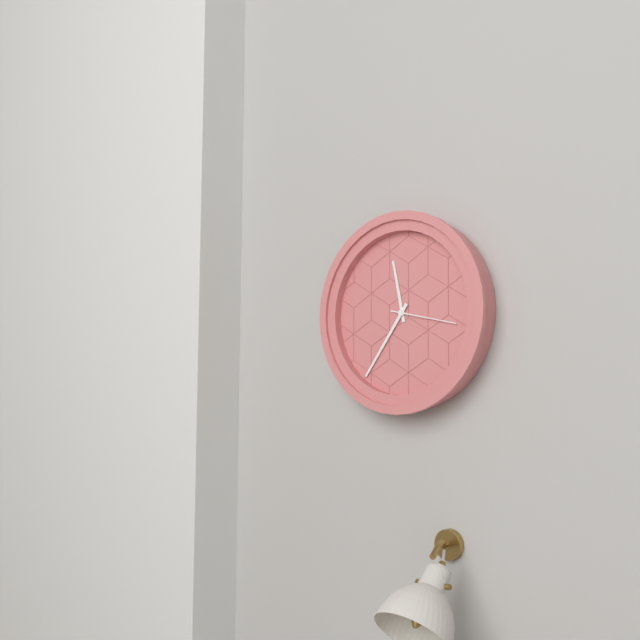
{"hour": 11, "minute": 36, "second": 17}
